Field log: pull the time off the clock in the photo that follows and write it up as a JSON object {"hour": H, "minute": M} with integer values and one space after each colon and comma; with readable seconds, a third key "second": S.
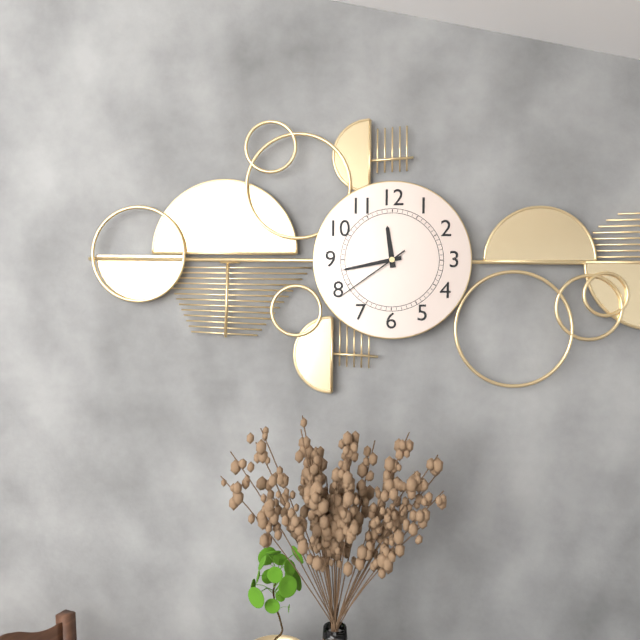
{"hour": 11, "minute": 43, "second": 39}
